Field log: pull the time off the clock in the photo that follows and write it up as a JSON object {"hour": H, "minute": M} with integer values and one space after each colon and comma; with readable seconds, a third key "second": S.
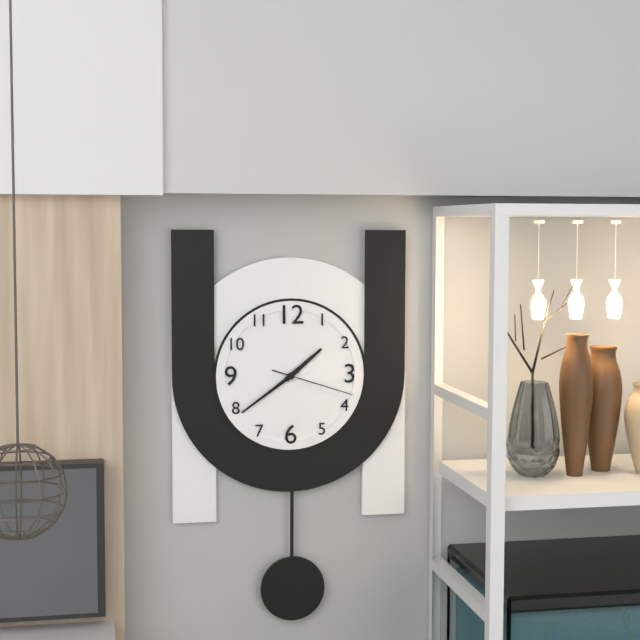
{"hour": 1, "minute": 39, "second": 18}
